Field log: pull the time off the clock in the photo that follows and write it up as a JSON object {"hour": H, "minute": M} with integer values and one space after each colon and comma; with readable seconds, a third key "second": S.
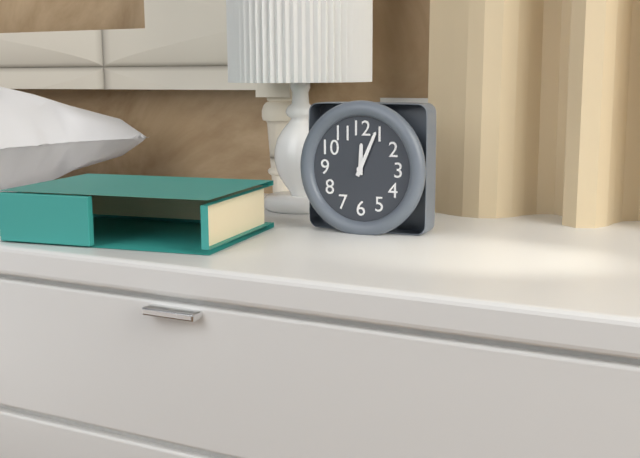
{"hour": 12, "minute": 4}
